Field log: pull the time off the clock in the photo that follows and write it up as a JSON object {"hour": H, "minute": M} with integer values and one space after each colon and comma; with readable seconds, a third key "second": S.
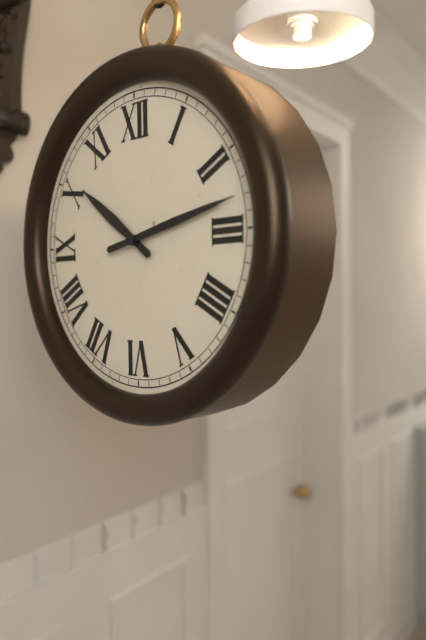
{"hour": 10, "minute": 13}
